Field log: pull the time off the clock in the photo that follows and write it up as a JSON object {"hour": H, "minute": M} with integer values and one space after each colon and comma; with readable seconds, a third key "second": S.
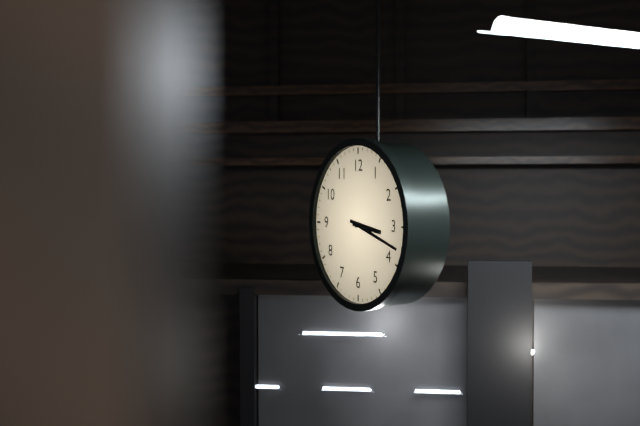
{"hour": 3, "minute": 18}
